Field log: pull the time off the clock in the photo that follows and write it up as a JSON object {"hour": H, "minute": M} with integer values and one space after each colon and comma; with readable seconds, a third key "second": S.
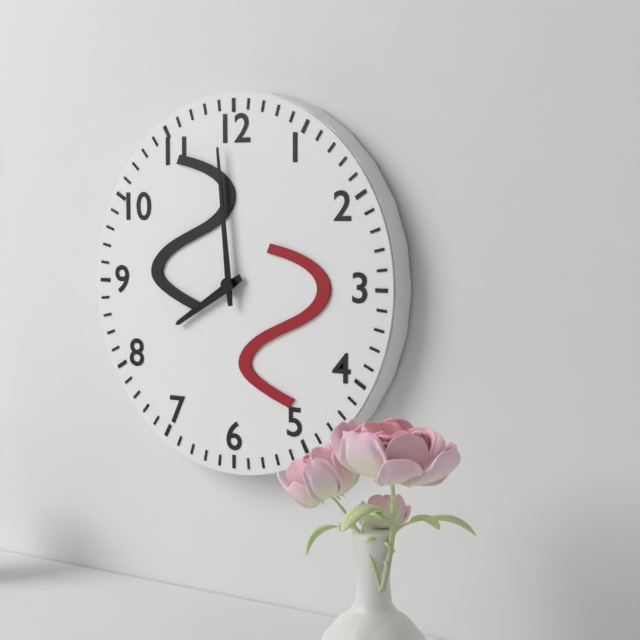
{"hour": 7, "minute": 59}
